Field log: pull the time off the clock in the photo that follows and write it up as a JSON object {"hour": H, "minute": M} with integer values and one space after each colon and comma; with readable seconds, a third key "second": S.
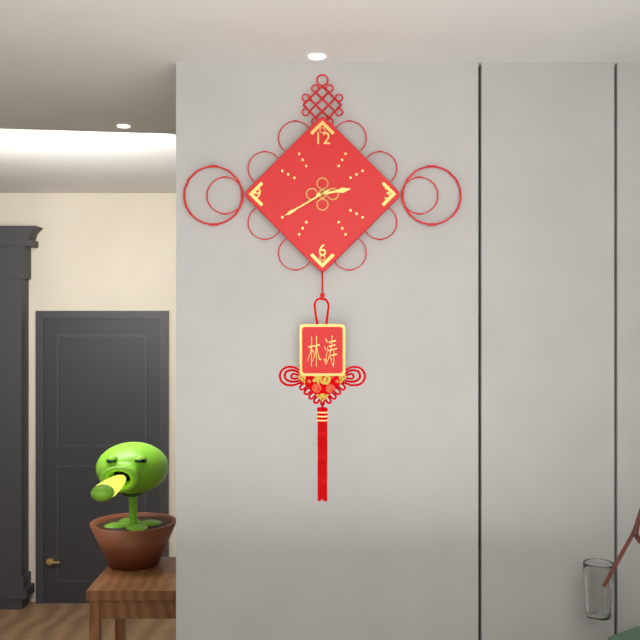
{"hour": 2, "minute": 40}
